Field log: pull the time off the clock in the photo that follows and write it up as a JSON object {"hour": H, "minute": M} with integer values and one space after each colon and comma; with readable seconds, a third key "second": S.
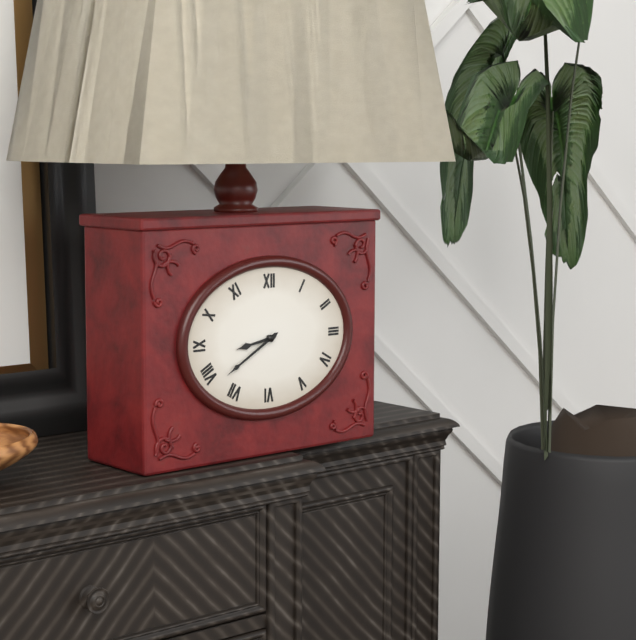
{"hour": 8, "minute": 40}
